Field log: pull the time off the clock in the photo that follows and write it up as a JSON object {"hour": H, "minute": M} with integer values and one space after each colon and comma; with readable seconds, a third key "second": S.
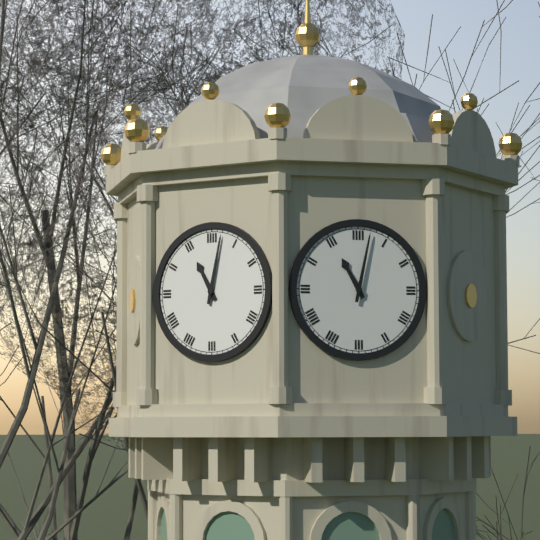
{"hour": 11, "minute": 2}
